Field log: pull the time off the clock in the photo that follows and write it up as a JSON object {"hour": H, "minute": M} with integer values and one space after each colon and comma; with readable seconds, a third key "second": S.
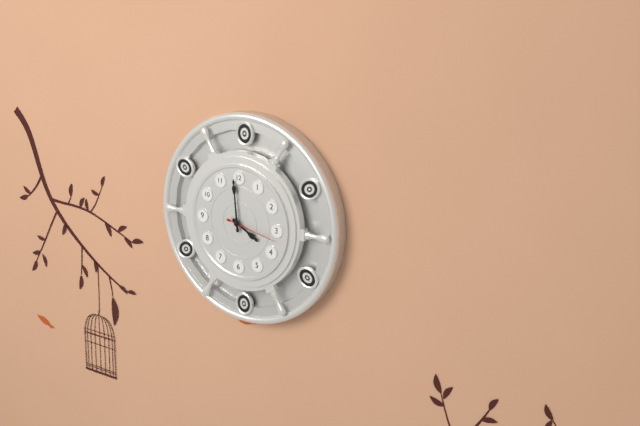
{"hour": 3, "minute": 59, "second": 17}
